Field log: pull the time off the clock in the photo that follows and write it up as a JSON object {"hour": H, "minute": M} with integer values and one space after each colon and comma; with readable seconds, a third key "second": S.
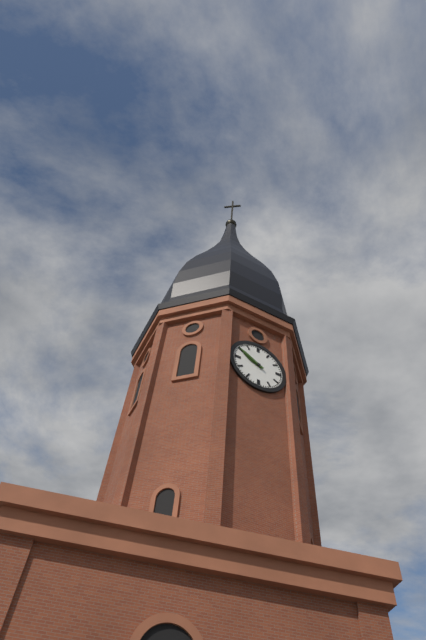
{"hour": 9, "minute": 50}
